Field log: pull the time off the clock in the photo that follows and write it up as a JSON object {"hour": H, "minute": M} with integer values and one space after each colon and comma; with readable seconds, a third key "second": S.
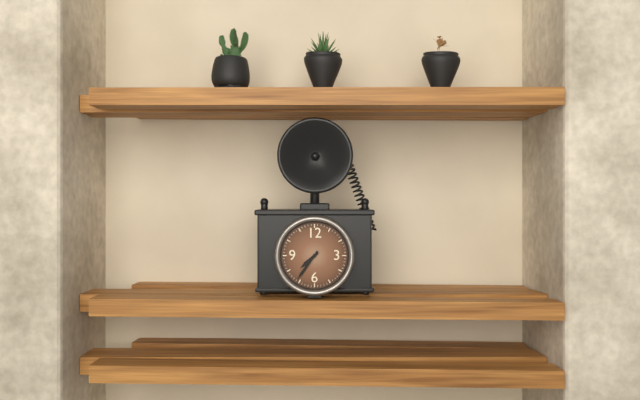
{"hour": 7, "minute": 36}
